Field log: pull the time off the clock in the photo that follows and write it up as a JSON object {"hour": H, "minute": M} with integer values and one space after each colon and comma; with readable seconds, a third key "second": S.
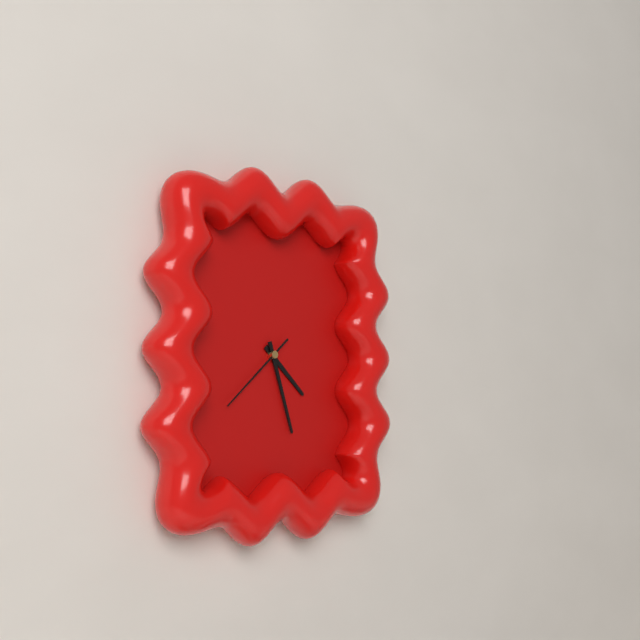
{"hour": 4, "minute": 27, "second": 38}
